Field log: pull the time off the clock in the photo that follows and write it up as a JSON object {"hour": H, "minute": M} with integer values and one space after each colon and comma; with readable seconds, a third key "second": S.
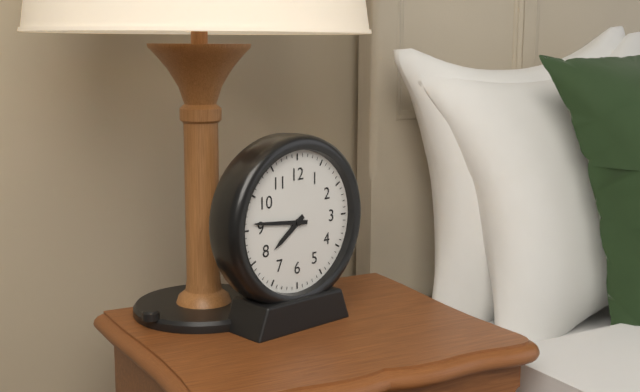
{"hour": 7, "minute": 46}
